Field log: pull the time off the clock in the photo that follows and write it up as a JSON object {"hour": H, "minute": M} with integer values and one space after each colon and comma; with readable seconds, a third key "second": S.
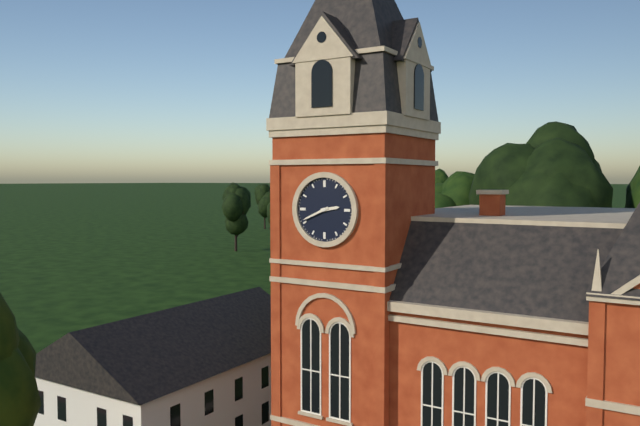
{"hour": 2, "minute": 41}
